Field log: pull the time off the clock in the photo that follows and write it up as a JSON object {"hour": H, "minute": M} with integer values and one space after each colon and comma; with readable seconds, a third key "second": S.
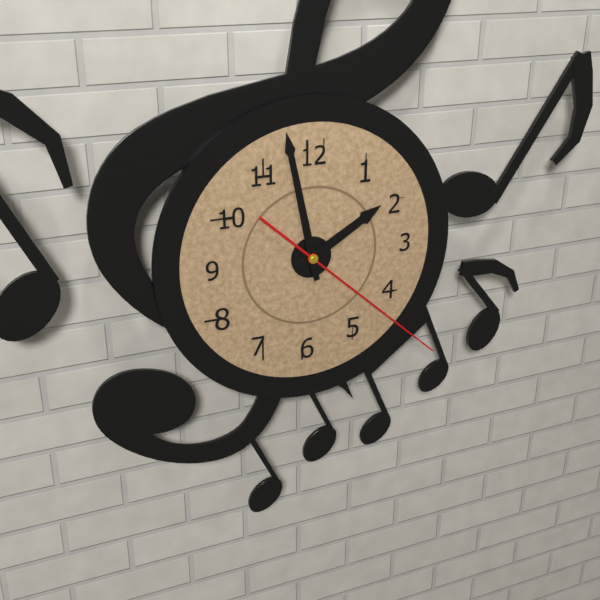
{"hour": 1, "minute": 58, "second": 22}
